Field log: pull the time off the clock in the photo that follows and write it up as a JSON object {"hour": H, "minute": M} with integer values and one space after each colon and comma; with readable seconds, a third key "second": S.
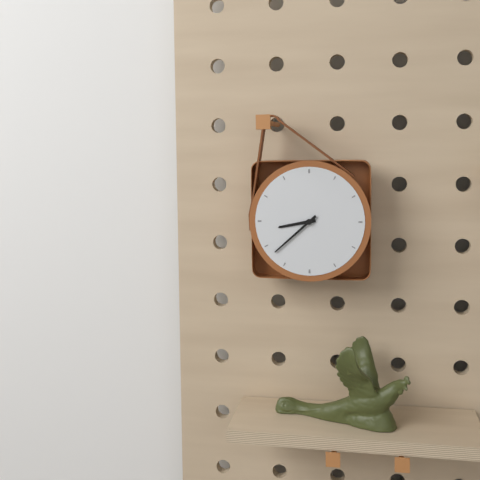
{"hour": 8, "minute": 38}
